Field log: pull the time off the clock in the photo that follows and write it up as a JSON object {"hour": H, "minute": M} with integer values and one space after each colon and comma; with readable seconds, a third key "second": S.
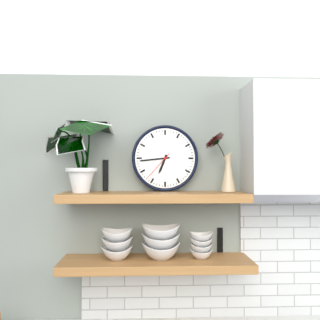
{"hour": 6, "minute": 44}
